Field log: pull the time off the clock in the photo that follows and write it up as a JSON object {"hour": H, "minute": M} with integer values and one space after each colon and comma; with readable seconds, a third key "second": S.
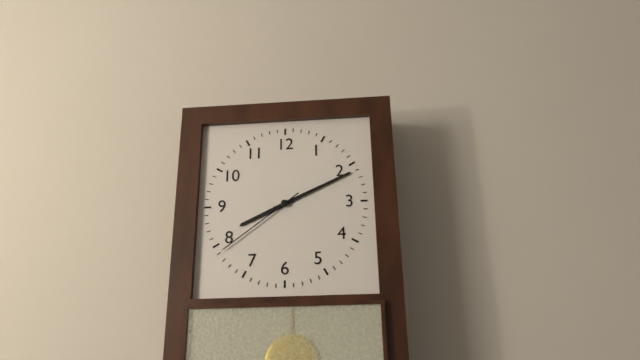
{"hour": 8, "minute": 11, "second": 39}
